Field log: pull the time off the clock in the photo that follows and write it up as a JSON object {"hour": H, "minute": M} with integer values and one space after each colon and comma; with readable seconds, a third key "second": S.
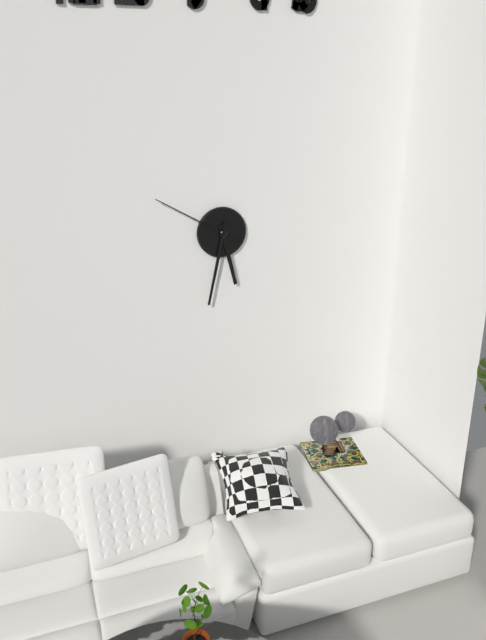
{"hour": 5, "minute": 32, "second": 50}
